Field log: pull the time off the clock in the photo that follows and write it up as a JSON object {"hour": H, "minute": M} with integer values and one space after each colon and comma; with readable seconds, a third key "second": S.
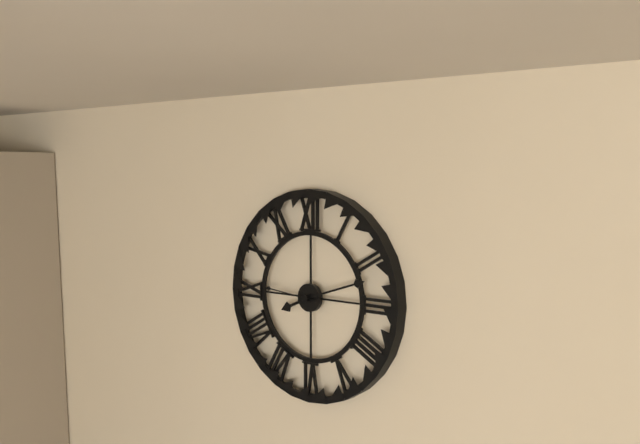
{"hour": 8, "minute": 12, "second": 46}
